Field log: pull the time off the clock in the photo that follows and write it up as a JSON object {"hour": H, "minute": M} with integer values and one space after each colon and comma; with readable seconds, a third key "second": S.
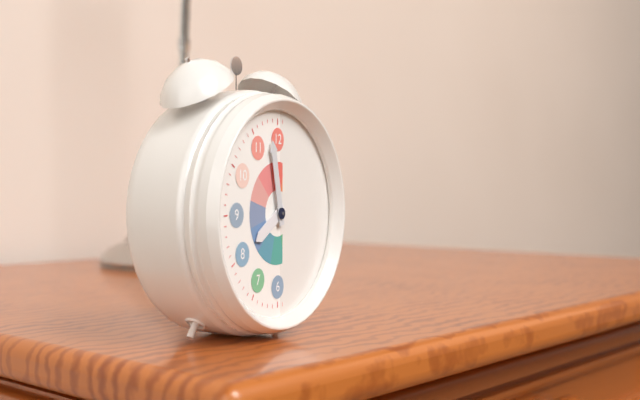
{"hour": 7, "minute": 58}
